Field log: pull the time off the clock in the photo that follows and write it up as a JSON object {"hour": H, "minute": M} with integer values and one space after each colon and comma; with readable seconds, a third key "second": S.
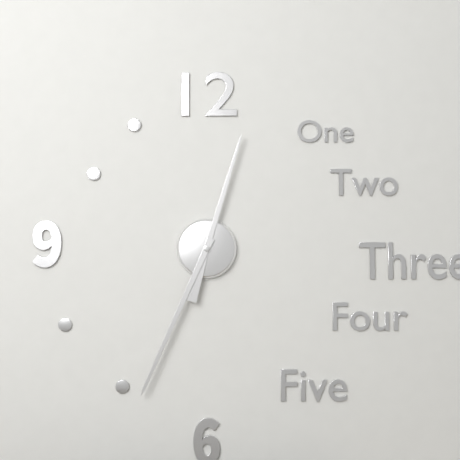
{"hour": 12, "minute": 34}
